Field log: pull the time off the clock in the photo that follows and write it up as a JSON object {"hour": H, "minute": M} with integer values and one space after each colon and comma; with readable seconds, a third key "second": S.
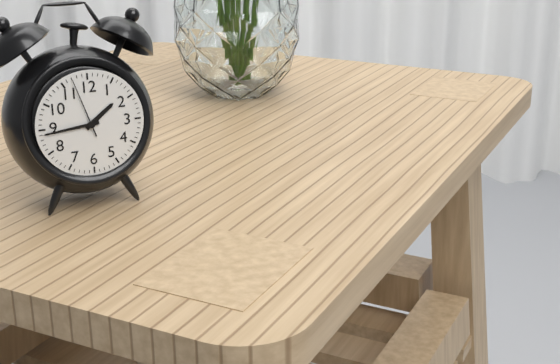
{"hour": 1, "minute": 44, "second": 57}
